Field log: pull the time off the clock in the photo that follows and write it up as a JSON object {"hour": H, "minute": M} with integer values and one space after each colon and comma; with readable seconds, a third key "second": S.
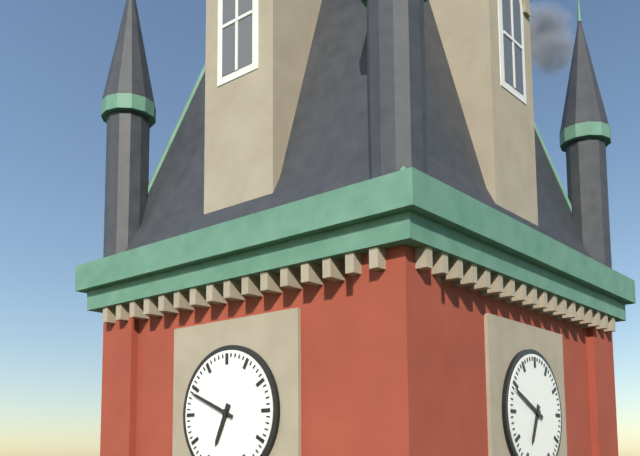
{"hour": 6, "minute": 49}
